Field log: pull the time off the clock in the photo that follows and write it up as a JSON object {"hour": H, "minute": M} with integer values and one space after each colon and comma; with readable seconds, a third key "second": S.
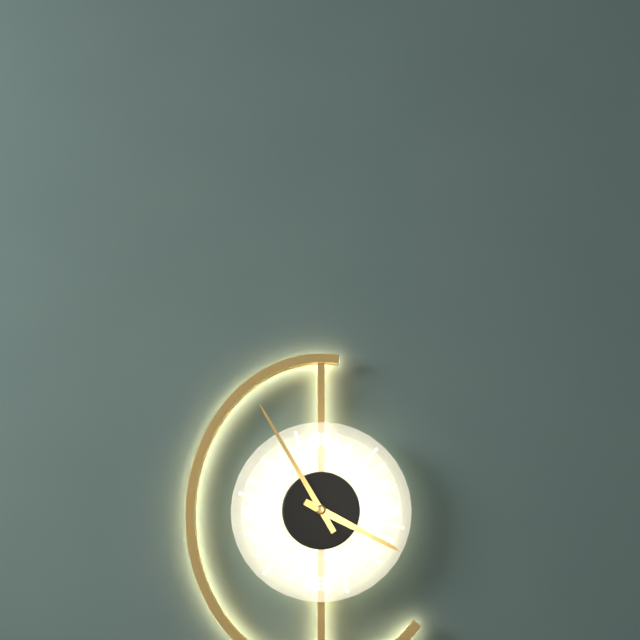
{"hour": 3, "minute": 55}
